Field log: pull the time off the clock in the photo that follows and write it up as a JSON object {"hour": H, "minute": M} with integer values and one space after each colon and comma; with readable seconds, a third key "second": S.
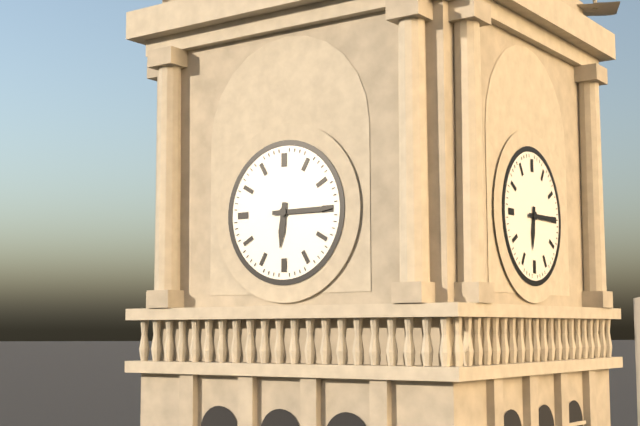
{"hour": 6, "minute": 15}
